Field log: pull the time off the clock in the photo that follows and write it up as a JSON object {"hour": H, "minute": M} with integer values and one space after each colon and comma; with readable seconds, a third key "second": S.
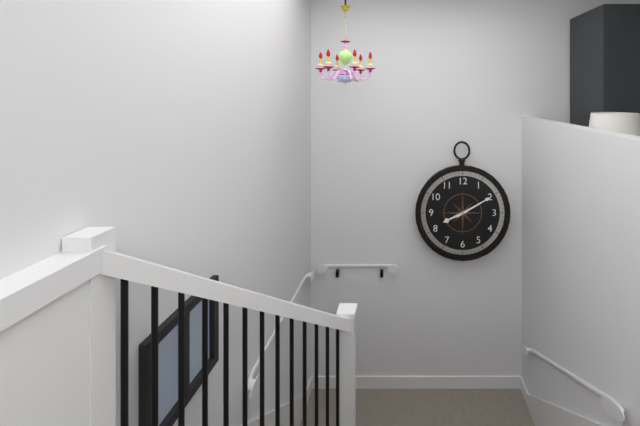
{"hour": 8, "minute": 10}
